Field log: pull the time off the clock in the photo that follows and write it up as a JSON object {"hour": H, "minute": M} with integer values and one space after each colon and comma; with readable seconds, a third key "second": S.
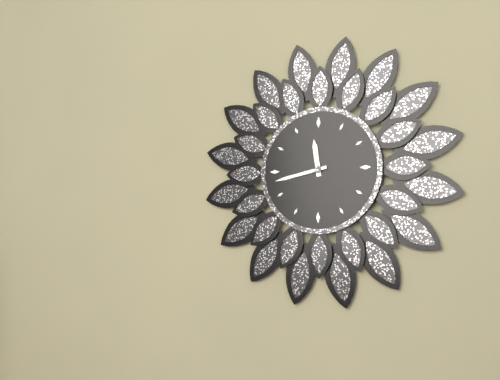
{"hour": 11, "minute": 43}
